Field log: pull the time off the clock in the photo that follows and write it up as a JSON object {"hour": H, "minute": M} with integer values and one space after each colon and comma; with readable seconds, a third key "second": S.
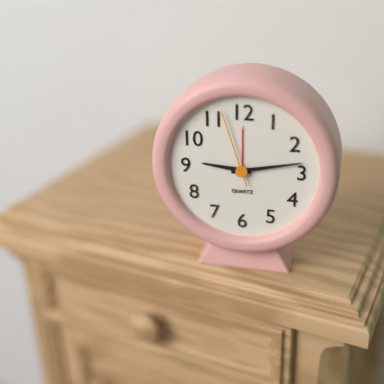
{"hour": 9, "minute": 13, "second": 57}
